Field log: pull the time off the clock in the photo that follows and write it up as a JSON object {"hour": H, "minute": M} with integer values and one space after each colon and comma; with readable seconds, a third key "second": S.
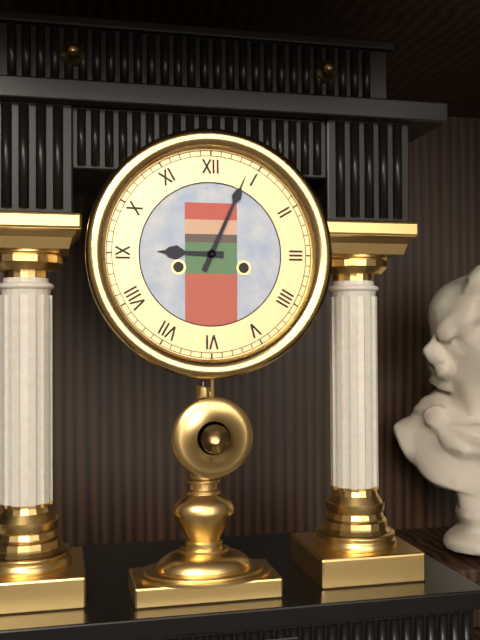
{"hour": 9, "minute": 4}
